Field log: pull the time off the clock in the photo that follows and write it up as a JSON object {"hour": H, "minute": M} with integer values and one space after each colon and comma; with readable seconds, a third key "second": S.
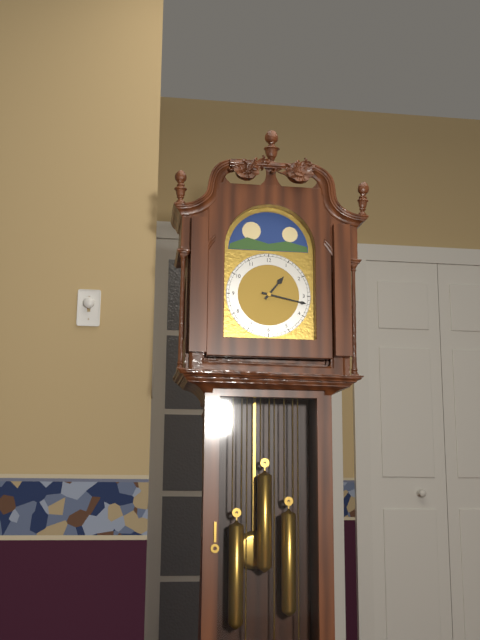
{"hour": 1, "minute": 17}
